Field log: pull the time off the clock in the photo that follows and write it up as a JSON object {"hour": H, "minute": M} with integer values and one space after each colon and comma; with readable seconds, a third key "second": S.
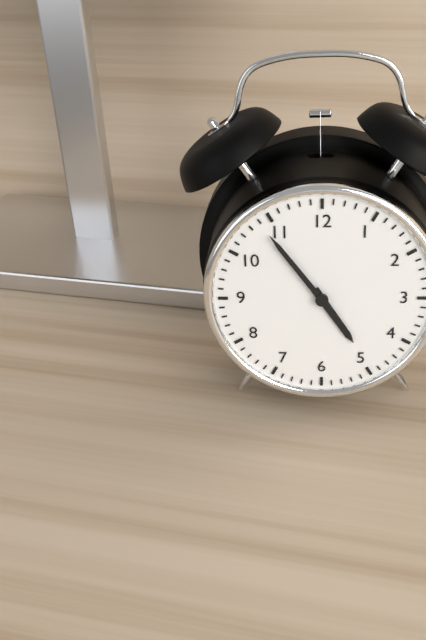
{"hour": 4, "minute": 54}
